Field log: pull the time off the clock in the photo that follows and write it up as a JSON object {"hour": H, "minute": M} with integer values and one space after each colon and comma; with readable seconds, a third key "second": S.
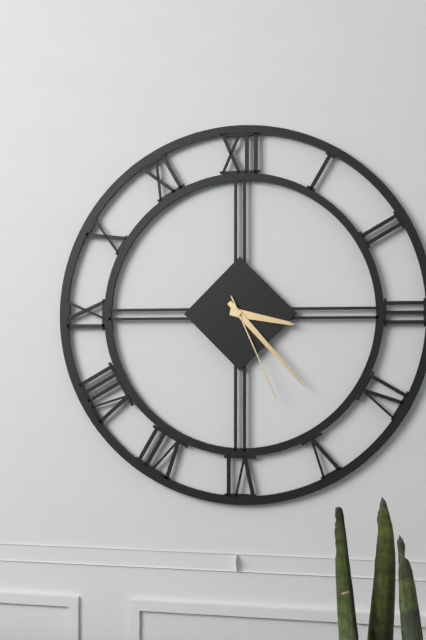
{"hour": 3, "minute": 23, "second": 26}
